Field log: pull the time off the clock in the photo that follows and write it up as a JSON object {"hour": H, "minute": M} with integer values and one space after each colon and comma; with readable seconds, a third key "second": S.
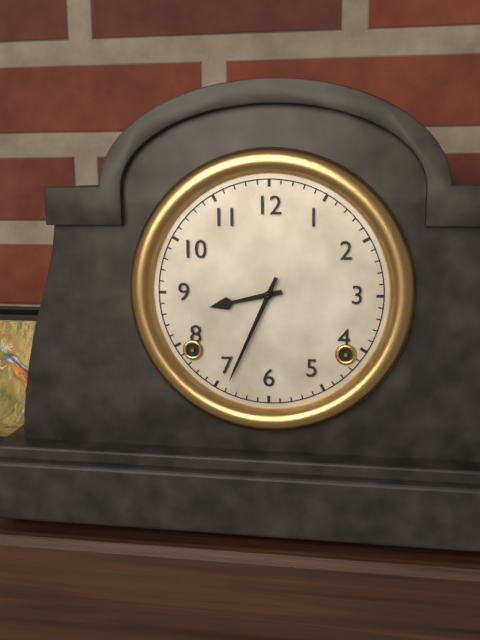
{"hour": 8, "minute": 34}
